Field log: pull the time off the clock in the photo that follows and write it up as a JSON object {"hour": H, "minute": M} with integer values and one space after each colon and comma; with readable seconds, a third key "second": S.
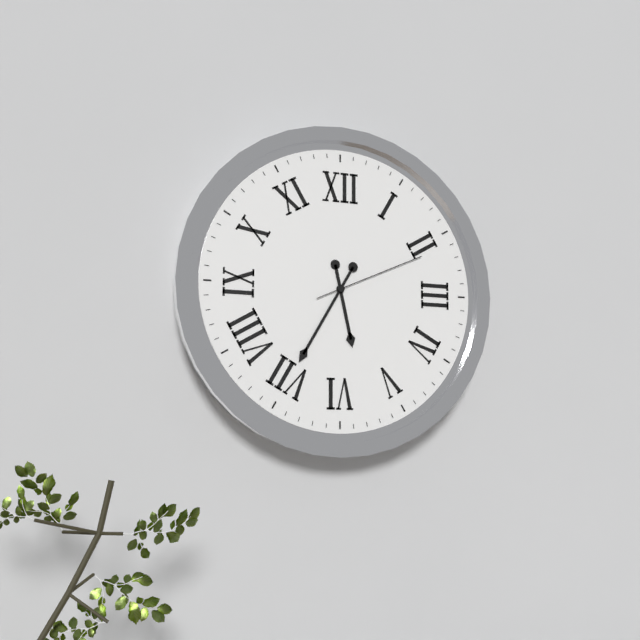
{"hour": 5, "minute": 35, "second": 11}
